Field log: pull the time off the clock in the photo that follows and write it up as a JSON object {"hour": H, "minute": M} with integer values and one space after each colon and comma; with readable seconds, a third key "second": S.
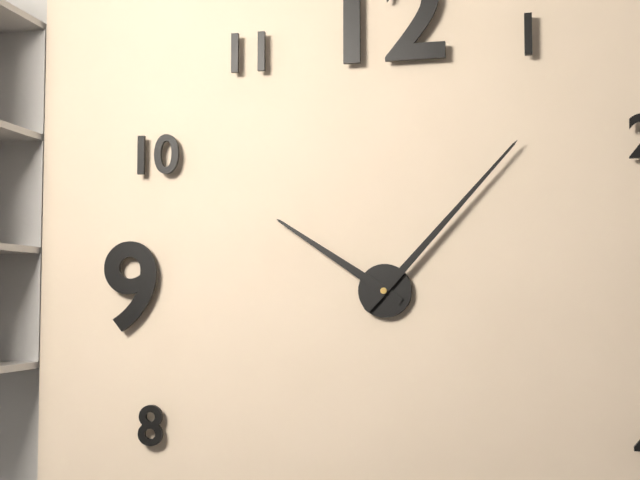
{"hour": 10, "minute": 7}
